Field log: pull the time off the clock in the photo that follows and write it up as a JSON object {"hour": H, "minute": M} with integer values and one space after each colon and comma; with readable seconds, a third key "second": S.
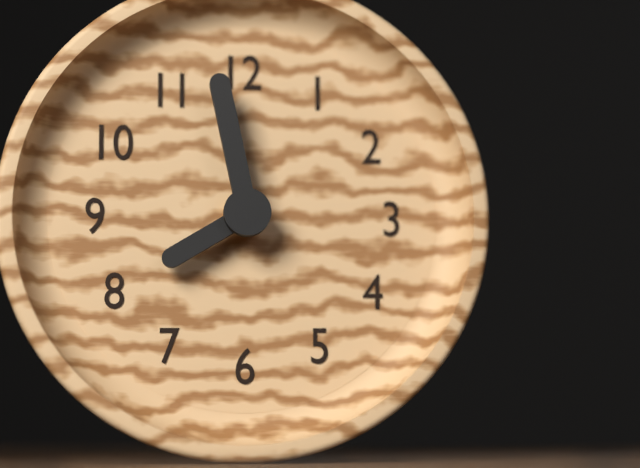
{"hour": 7, "minute": 58}
